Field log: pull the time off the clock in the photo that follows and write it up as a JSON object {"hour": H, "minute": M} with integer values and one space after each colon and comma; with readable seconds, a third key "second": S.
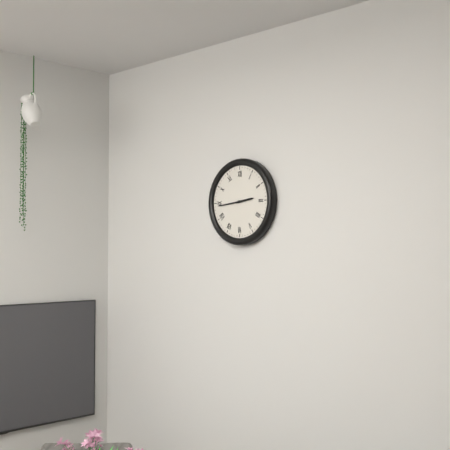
{"hour": 2, "minute": 44}
